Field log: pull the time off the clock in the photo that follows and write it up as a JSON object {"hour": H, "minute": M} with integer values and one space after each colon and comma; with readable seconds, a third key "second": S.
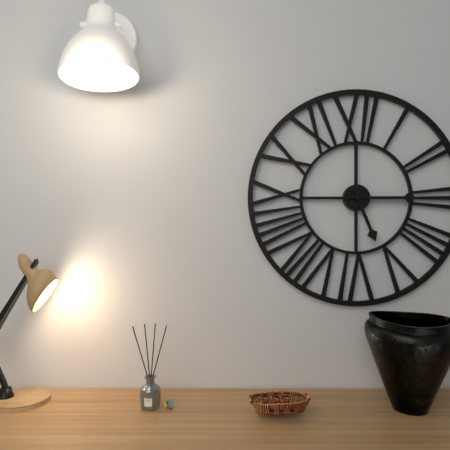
{"hour": 5, "minute": 15}
